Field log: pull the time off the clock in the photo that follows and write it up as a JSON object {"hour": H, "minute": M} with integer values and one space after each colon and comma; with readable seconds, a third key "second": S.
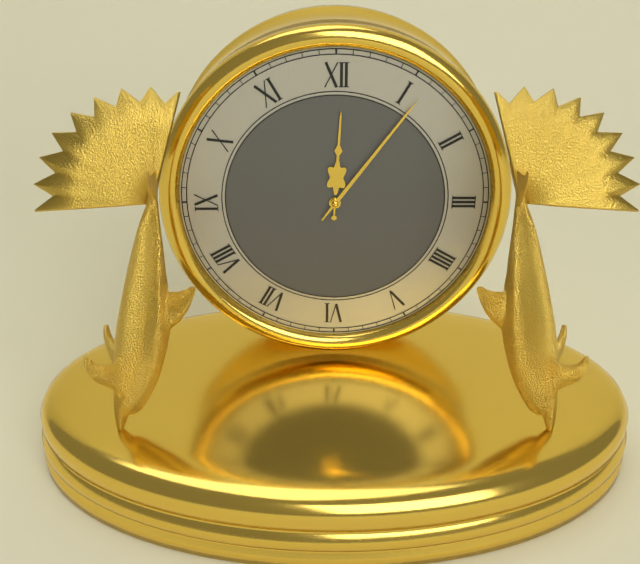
{"hour": 12, "minute": 6}
